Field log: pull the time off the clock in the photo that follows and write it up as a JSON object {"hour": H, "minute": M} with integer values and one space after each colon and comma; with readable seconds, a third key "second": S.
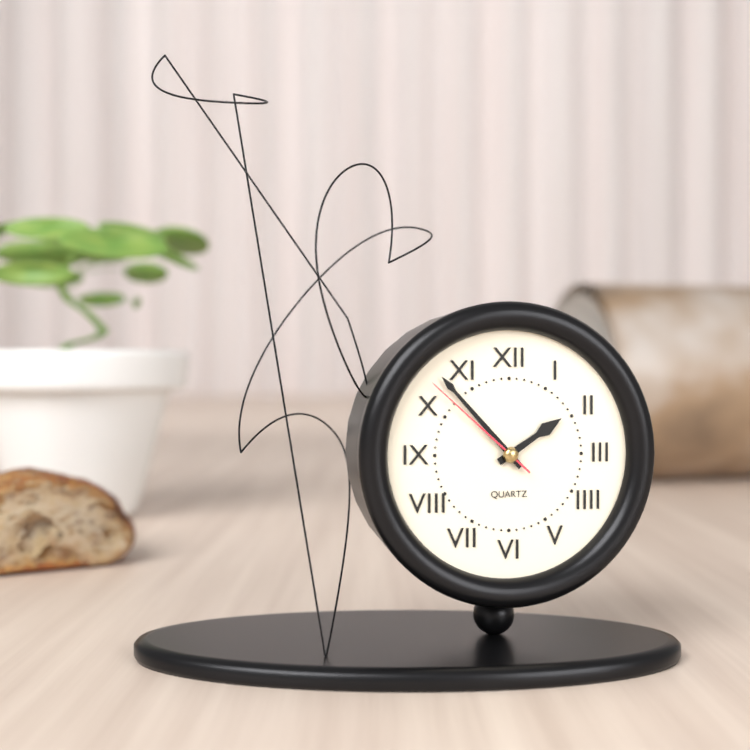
{"hour": 1, "minute": 53, "second": 52}
